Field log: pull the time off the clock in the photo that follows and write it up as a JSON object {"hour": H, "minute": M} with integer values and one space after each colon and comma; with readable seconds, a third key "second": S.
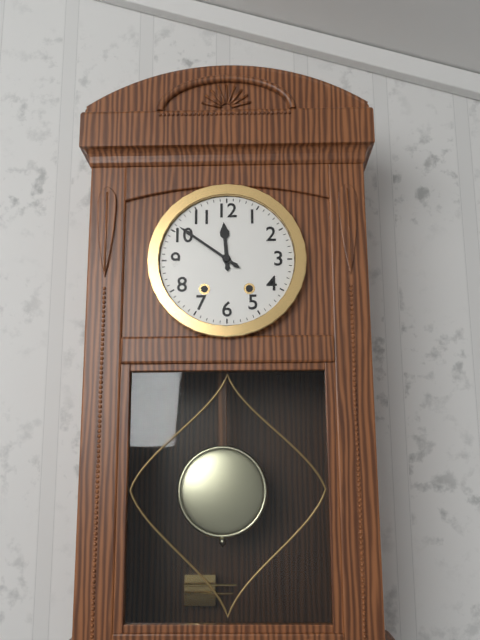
{"hour": 11, "minute": 51}
